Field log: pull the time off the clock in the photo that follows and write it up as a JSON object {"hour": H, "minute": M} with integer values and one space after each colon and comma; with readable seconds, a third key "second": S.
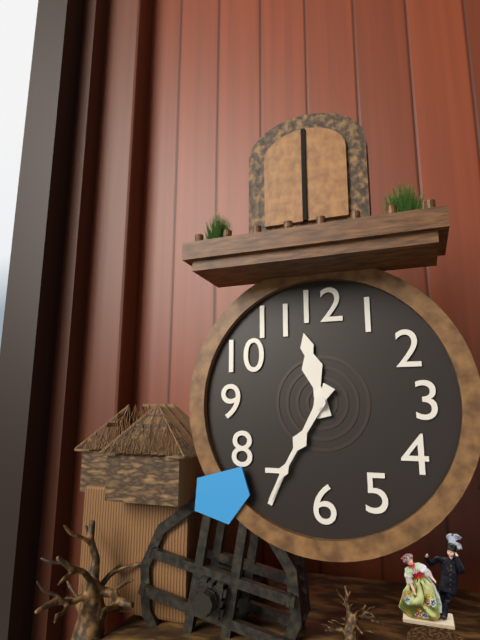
{"hour": 11, "minute": 35}
